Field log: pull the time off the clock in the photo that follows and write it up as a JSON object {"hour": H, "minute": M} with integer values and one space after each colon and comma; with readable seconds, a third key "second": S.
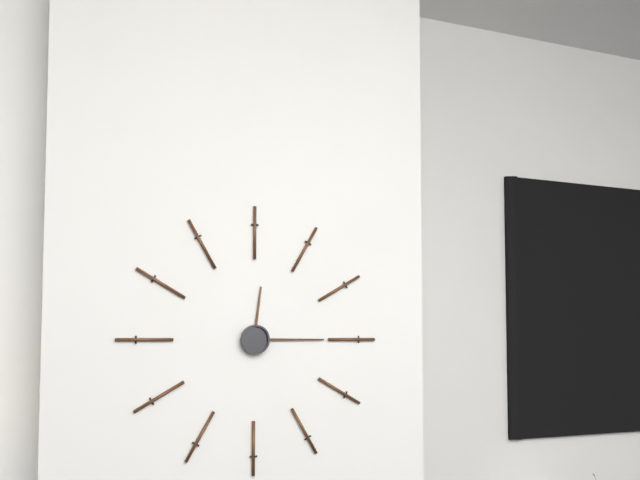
{"hour": 12, "minute": 15}
